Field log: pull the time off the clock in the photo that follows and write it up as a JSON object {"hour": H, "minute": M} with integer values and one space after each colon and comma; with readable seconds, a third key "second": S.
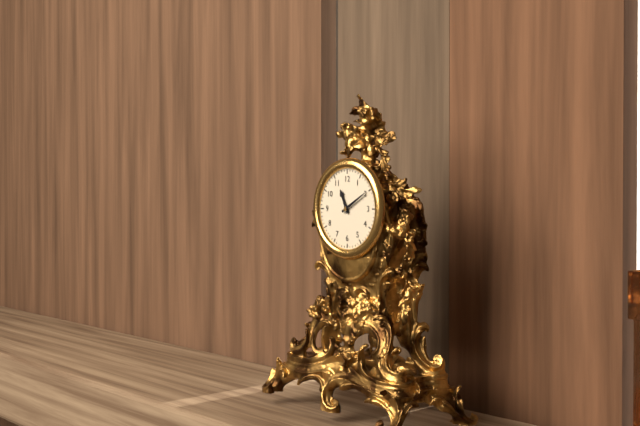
{"hour": 11, "minute": 10}
